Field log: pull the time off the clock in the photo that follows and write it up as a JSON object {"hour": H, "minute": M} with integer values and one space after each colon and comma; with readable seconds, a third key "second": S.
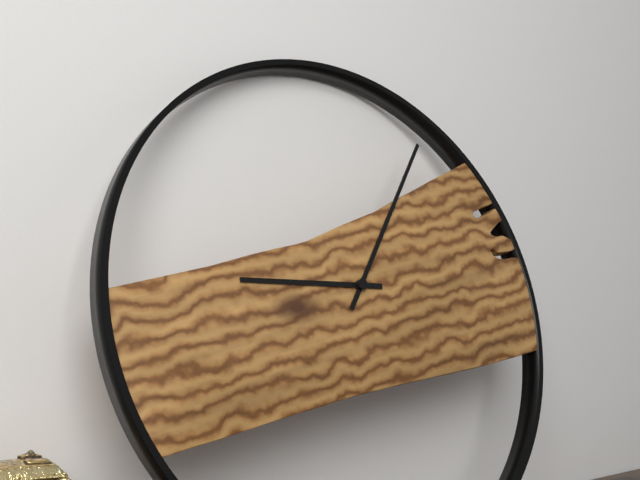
{"hour": 9, "minute": 6}
